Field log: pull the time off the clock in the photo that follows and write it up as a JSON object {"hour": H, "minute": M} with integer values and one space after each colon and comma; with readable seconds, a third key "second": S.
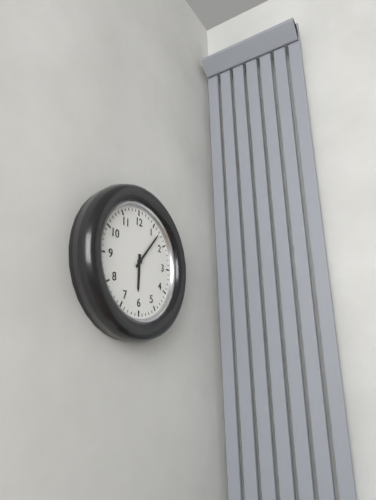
{"hour": 6, "minute": 7}
